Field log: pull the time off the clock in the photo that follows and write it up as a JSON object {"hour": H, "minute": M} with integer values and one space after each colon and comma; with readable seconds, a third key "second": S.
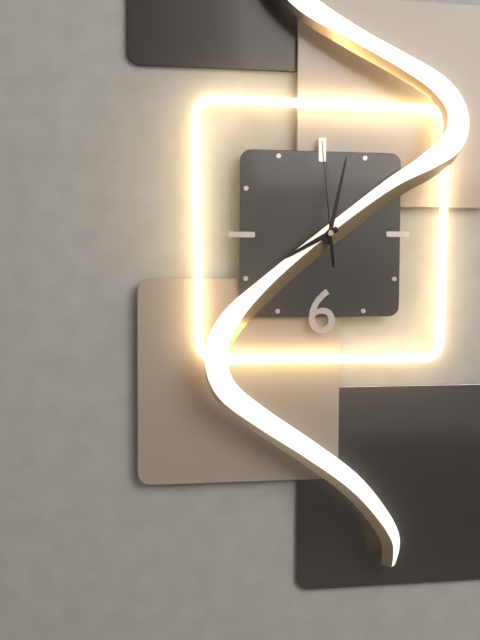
{"hour": 8, "minute": 2, "second": 59}
